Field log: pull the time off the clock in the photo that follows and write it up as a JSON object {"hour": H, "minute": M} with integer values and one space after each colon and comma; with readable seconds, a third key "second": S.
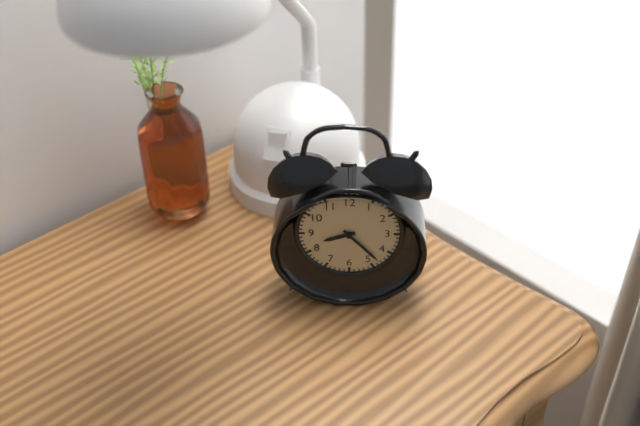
{"hour": 8, "minute": 23}
